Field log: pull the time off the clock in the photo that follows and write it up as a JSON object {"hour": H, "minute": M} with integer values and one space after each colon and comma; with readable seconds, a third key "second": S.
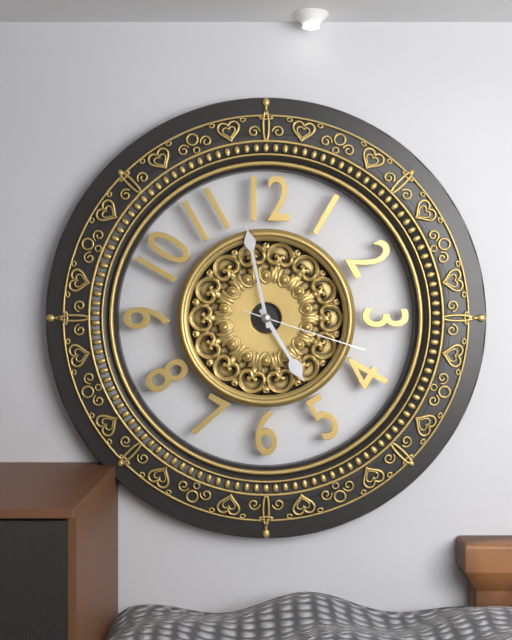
{"hour": 4, "minute": 58, "second": 18}
